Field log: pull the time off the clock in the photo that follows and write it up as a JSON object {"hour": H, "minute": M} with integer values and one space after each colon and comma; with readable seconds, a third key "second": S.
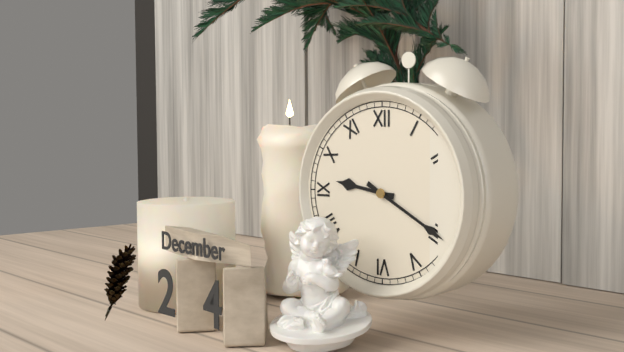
{"hour": 9, "minute": 20}
